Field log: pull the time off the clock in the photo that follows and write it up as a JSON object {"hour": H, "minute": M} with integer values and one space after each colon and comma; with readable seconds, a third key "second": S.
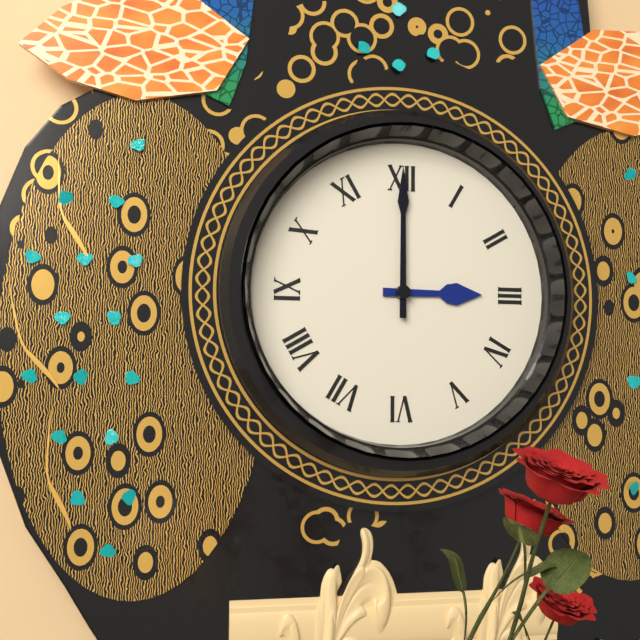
{"hour": 3, "minute": 0}
